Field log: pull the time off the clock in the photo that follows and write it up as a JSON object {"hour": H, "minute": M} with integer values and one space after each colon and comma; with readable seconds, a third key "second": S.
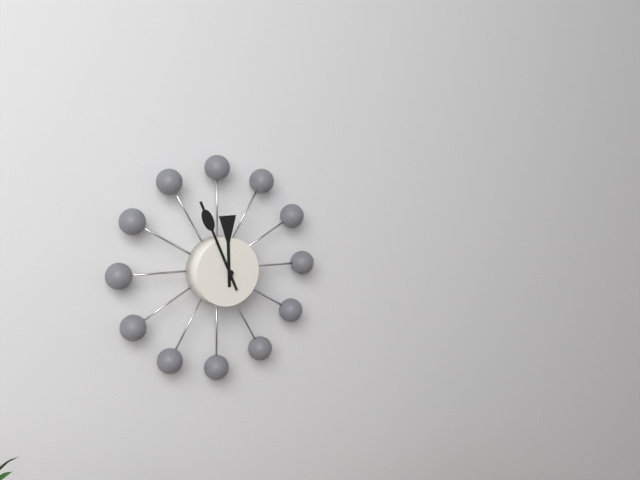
{"hour": 11, "minute": 56}
